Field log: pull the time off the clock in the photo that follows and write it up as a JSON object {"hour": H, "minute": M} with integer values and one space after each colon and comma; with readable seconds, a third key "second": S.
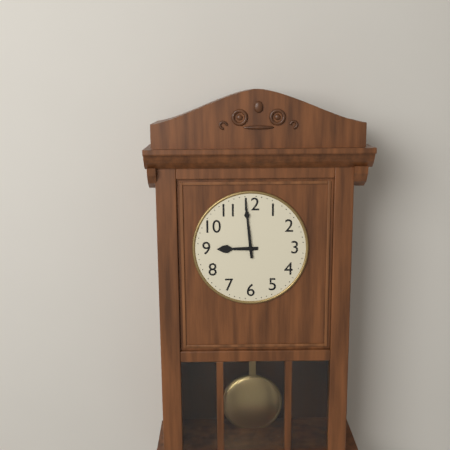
{"hour": 8, "minute": 59}
